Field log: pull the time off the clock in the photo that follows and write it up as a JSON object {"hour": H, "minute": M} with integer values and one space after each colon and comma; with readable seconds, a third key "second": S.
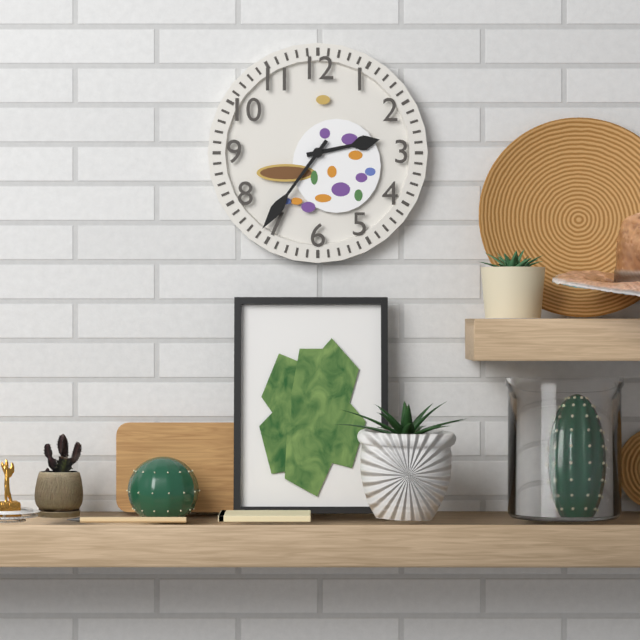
{"hour": 2, "minute": 36}
